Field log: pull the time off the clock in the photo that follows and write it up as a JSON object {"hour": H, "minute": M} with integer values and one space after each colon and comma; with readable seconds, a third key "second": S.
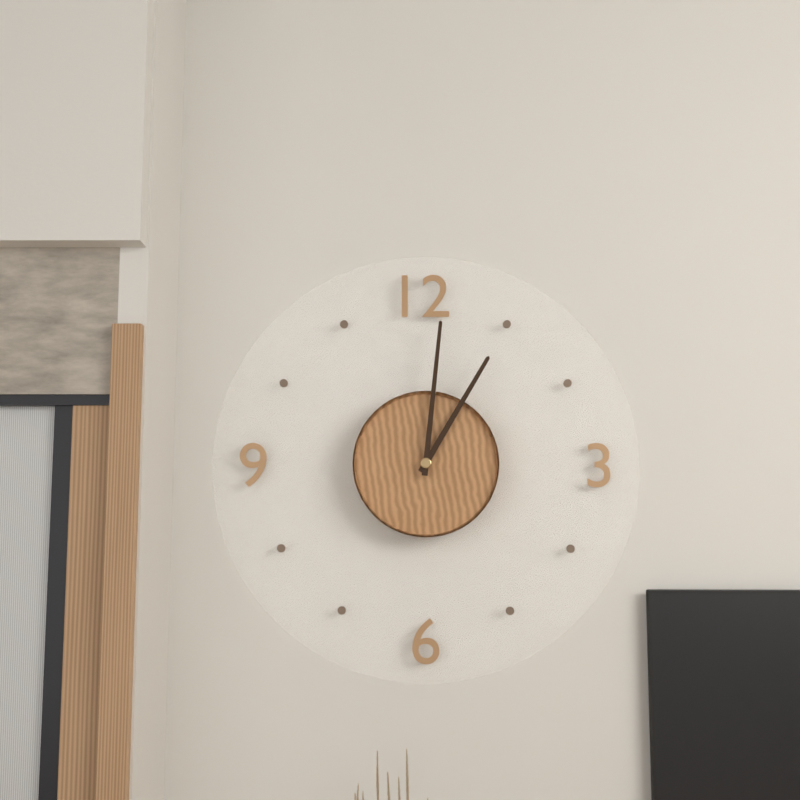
{"hour": 1, "minute": 1}
